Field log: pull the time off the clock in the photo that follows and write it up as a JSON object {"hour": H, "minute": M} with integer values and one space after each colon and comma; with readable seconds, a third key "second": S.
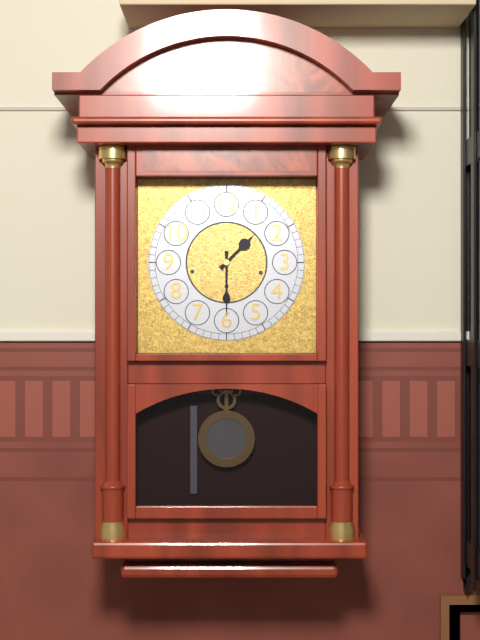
{"hour": 1, "minute": 30}
